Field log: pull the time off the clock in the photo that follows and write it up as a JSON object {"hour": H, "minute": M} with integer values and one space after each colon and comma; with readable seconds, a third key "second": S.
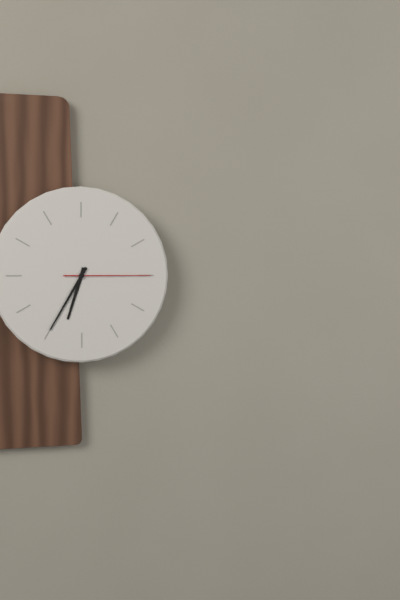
{"hour": 6, "minute": 35, "second": 15}
